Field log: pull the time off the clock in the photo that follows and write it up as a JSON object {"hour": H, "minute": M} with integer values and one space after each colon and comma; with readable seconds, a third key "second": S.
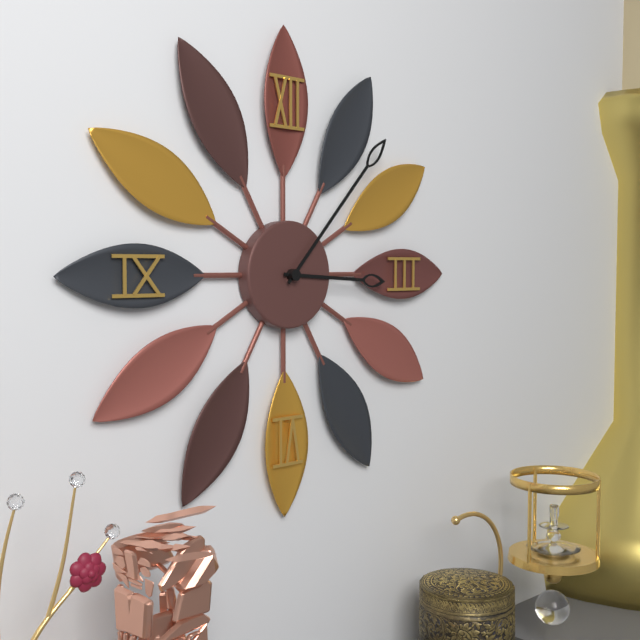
{"hour": 3, "minute": 7}
